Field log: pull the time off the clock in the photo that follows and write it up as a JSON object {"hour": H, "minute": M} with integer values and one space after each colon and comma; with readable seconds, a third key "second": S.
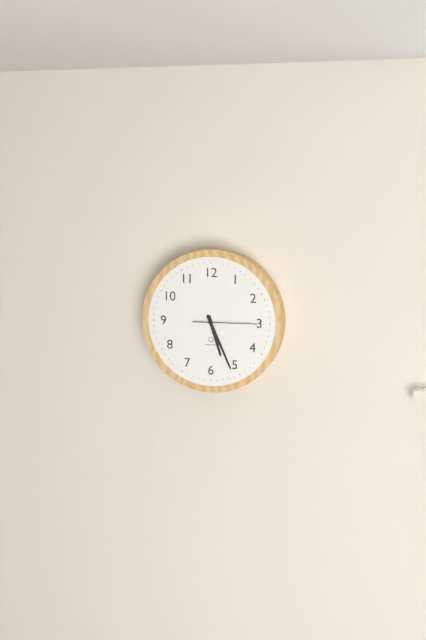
{"hour": 5, "minute": 26, "second": 15}
